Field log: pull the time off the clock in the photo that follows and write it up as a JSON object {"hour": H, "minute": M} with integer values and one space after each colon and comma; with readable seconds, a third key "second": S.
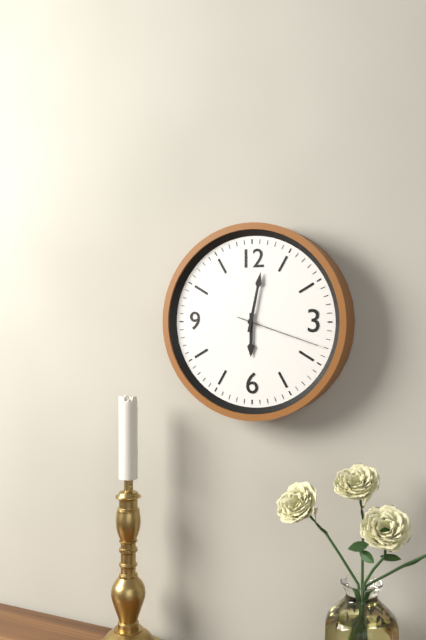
{"hour": 6, "minute": 2, "second": 18}
